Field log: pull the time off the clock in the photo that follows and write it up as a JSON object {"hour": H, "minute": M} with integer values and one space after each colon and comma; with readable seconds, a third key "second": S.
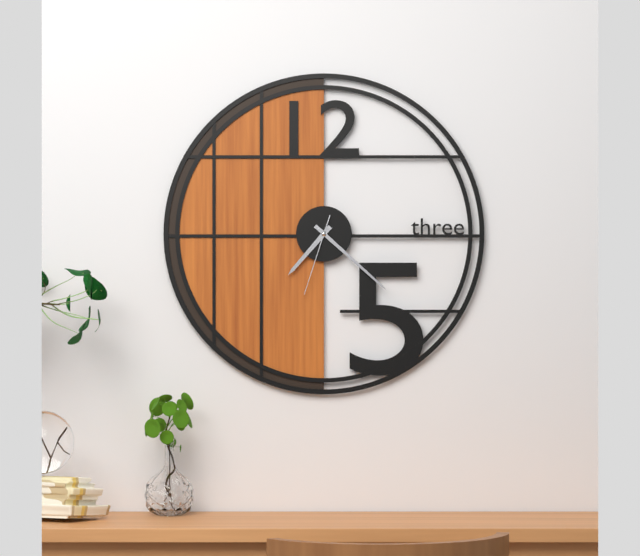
{"hour": 7, "minute": 22, "second": 33}
